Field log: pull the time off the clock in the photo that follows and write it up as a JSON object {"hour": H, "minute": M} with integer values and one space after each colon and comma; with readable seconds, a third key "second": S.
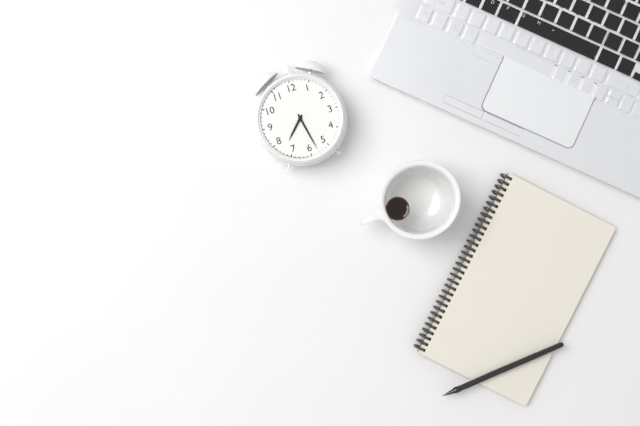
{"hour": 7, "minute": 28}
